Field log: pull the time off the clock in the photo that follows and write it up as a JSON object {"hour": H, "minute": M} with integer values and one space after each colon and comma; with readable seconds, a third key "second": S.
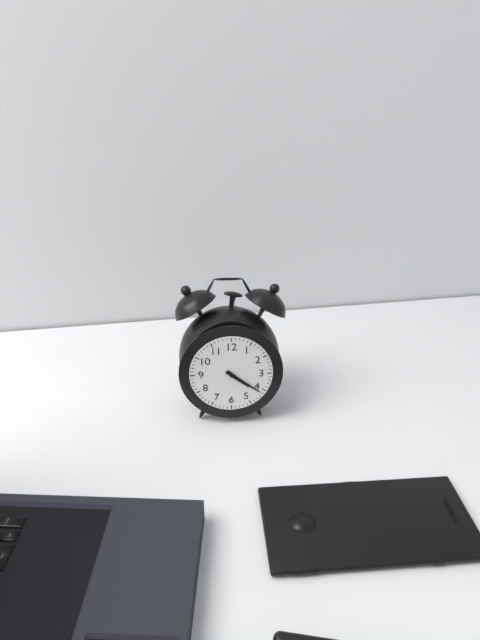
{"hour": 4, "minute": 21}
